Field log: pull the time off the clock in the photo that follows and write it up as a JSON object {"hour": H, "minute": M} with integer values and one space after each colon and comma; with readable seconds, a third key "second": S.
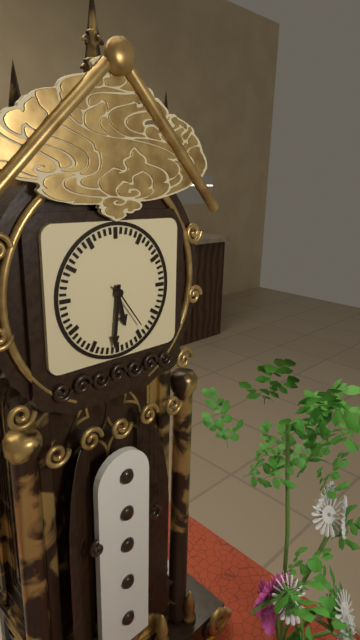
{"hour": 5, "minute": 31}
